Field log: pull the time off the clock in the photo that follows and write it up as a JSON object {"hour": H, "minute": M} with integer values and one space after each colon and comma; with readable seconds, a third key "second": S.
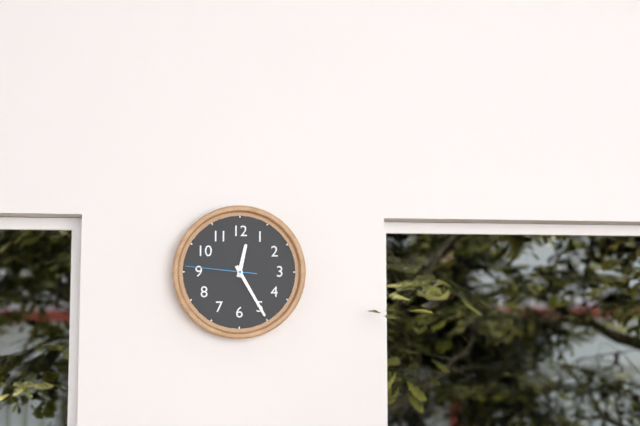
{"hour": 12, "minute": 25, "second": 46}
